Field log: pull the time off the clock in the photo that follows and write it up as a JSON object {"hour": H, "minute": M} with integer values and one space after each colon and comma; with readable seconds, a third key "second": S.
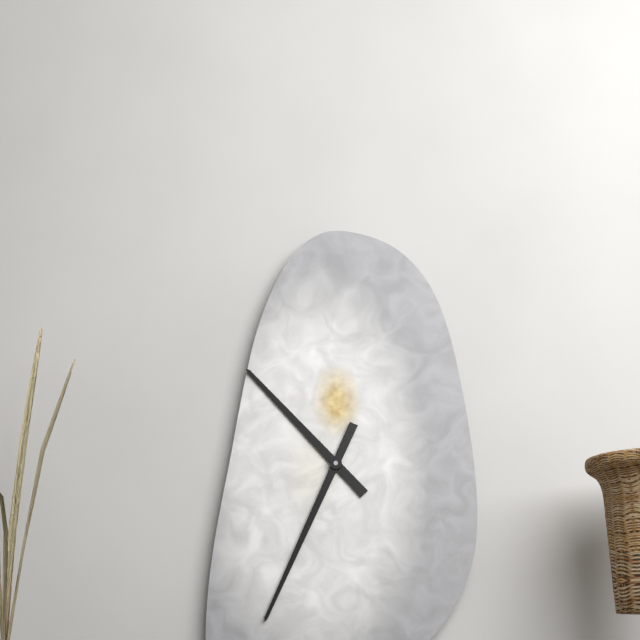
{"hour": 10, "minute": 34}
